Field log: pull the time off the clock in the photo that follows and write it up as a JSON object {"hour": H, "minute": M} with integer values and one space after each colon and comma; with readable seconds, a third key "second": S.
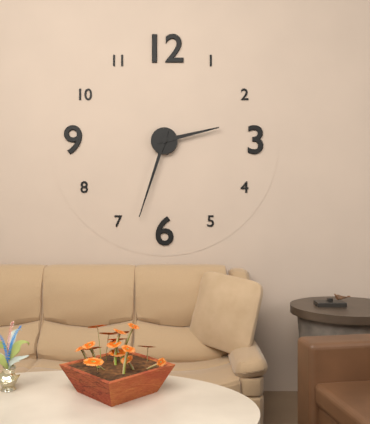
{"hour": 2, "minute": 33}
